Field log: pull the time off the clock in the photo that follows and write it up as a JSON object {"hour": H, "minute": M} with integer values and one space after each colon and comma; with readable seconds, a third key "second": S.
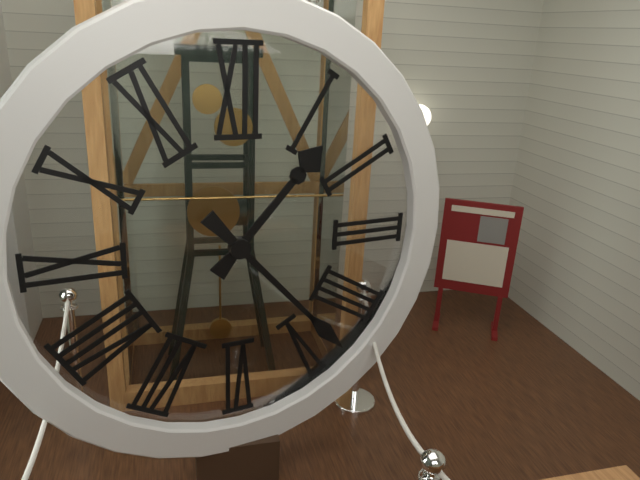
{"hour": 1, "minute": 23}
